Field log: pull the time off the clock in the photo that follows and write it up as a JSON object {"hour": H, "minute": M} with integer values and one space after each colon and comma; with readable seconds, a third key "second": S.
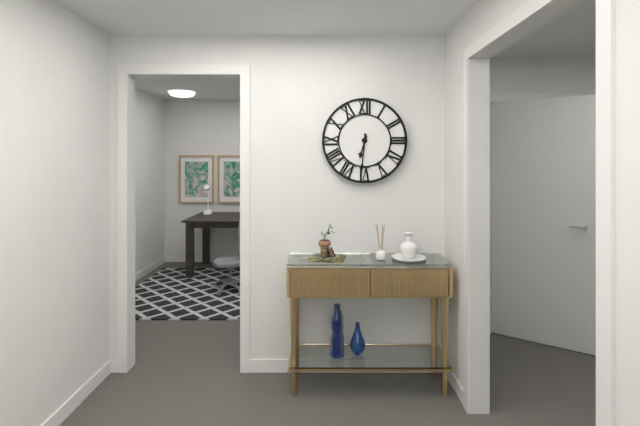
{"hour": 6, "minute": 31}
